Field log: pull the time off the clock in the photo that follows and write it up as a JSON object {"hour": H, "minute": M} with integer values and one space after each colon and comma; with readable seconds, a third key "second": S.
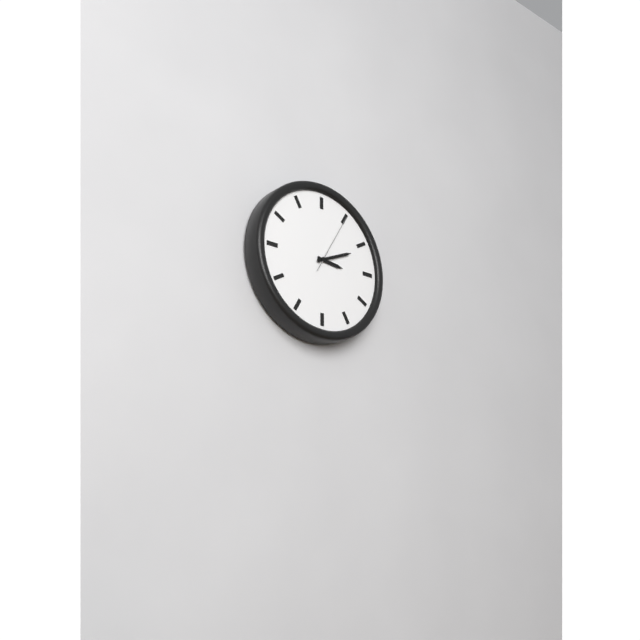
{"hour": 3, "minute": 11, "second": 5}
